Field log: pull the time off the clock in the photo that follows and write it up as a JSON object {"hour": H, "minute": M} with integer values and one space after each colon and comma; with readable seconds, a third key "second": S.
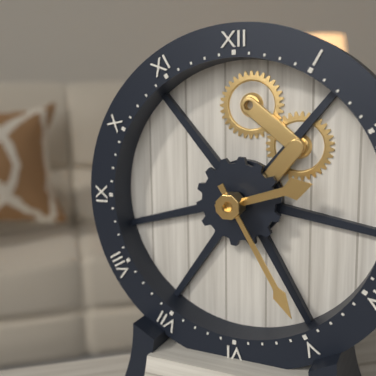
{"hour": 2, "minute": 25}
